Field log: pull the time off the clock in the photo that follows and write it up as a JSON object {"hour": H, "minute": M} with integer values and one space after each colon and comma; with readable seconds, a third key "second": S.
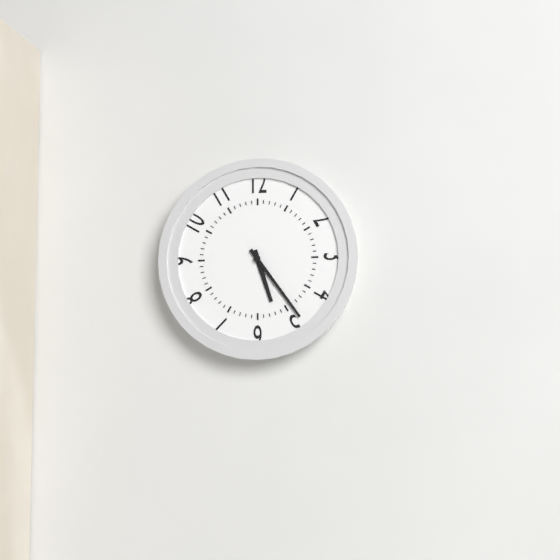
{"hour": 5, "minute": 24}
